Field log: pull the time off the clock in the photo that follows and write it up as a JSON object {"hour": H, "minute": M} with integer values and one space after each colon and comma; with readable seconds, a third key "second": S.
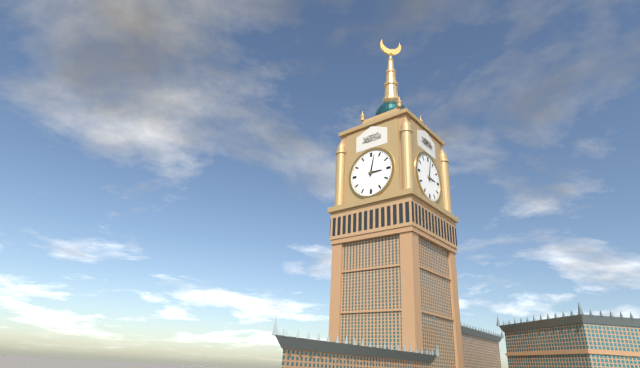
{"hour": 3, "minute": 2}
